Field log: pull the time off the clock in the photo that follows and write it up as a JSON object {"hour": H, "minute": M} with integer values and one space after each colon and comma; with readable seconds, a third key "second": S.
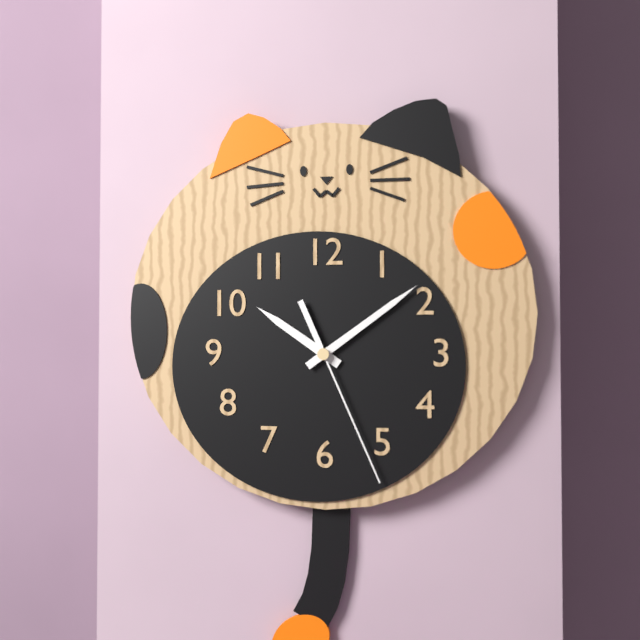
{"hour": 10, "minute": 9, "second": 26}
